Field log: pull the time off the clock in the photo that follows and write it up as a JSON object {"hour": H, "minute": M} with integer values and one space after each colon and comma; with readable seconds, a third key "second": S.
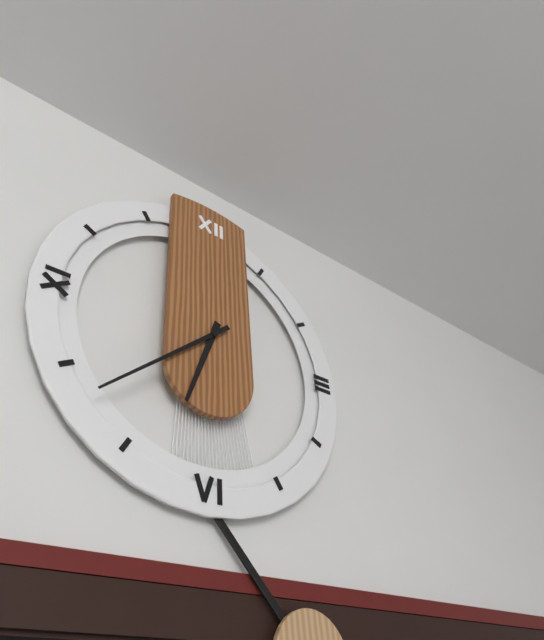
{"hour": 6, "minute": 38}
